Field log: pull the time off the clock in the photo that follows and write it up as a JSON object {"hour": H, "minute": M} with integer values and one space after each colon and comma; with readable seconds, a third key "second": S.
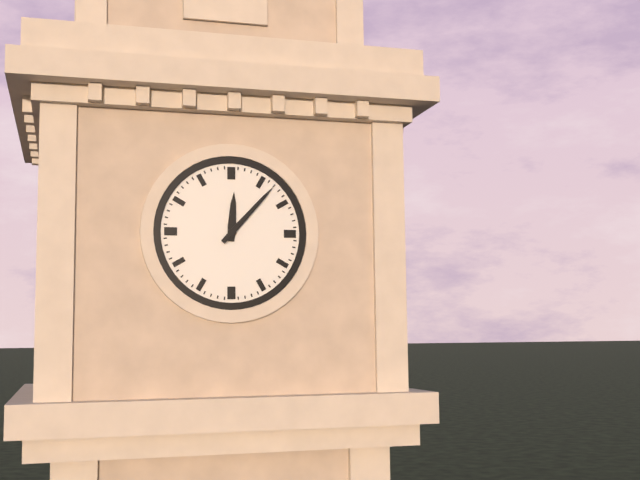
{"hour": 12, "minute": 7}
